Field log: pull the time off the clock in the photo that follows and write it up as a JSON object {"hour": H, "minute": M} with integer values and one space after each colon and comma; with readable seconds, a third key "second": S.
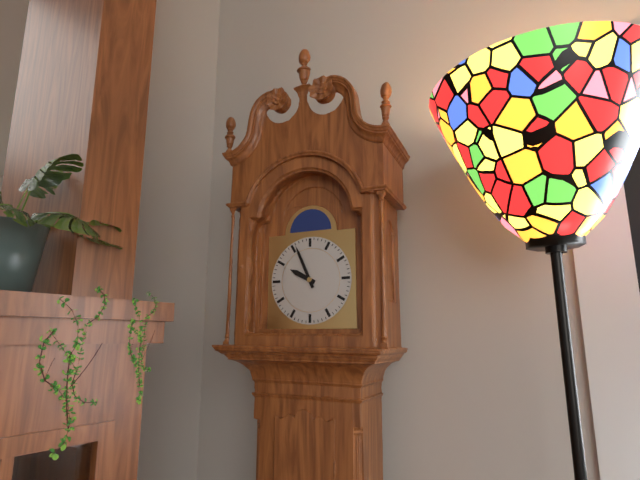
{"hour": 9, "minute": 56}
